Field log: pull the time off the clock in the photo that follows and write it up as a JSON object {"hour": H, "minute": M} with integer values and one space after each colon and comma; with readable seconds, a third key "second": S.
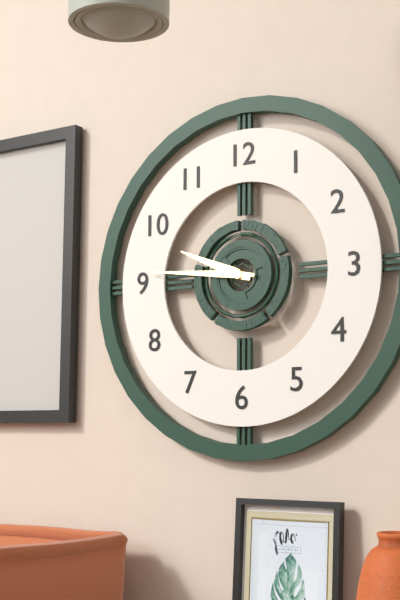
{"hour": 9, "minute": 46}
